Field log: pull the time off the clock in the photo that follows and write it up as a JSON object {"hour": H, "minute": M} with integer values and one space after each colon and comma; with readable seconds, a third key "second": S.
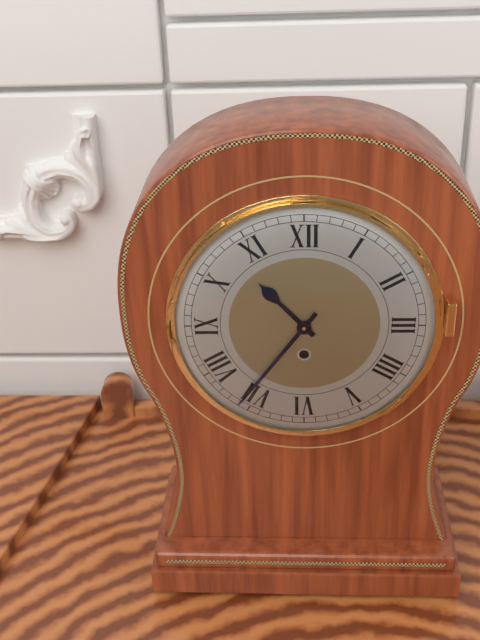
{"hour": 10, "minute": 36}
